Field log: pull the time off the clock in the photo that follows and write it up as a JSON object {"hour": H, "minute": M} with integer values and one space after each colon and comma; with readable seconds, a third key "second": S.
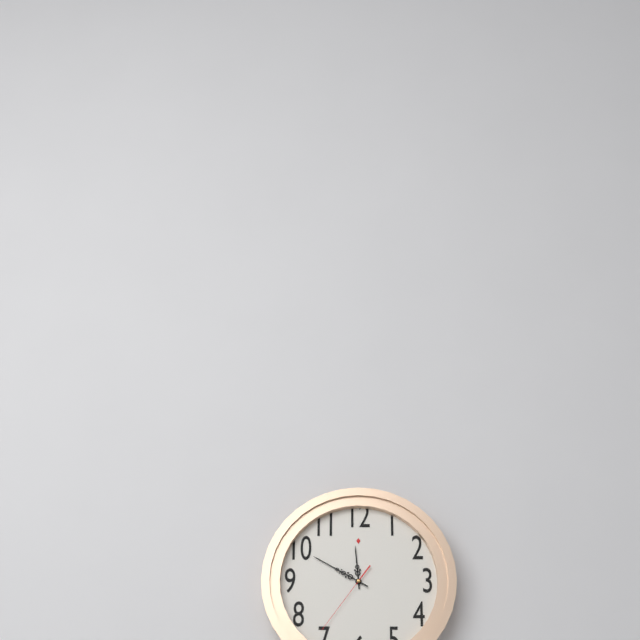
{"hour": 11, "minute": 50, "second": 36}
